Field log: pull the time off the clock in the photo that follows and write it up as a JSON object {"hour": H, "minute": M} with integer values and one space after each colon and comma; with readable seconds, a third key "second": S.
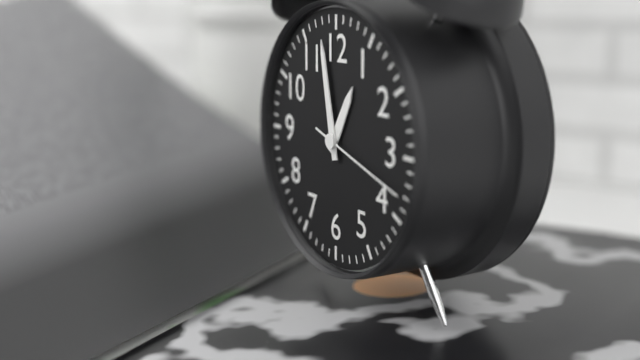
{"hour": 12, "minute": 58, "second": 18}
